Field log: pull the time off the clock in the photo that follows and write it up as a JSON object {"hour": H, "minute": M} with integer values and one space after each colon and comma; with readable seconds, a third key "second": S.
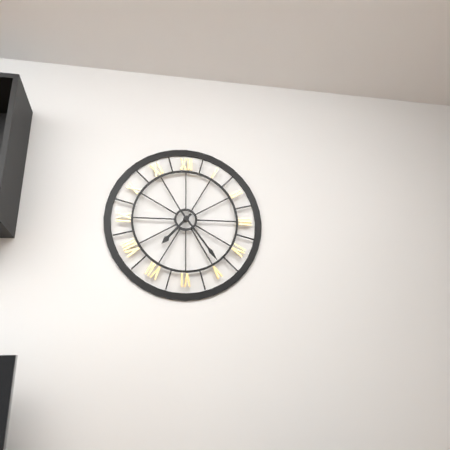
{"hour": 7, "minute": 24}
